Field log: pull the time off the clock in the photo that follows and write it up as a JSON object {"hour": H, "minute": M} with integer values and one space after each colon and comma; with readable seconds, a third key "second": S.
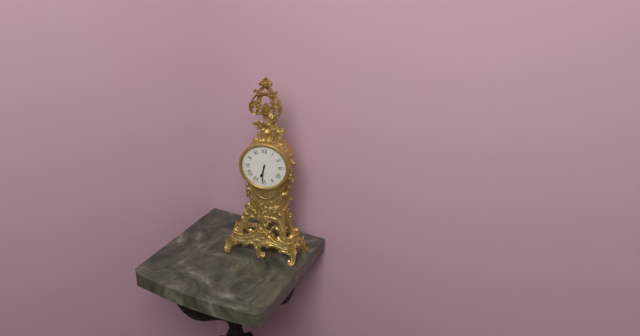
{"hour": 6, "minute": 31}
